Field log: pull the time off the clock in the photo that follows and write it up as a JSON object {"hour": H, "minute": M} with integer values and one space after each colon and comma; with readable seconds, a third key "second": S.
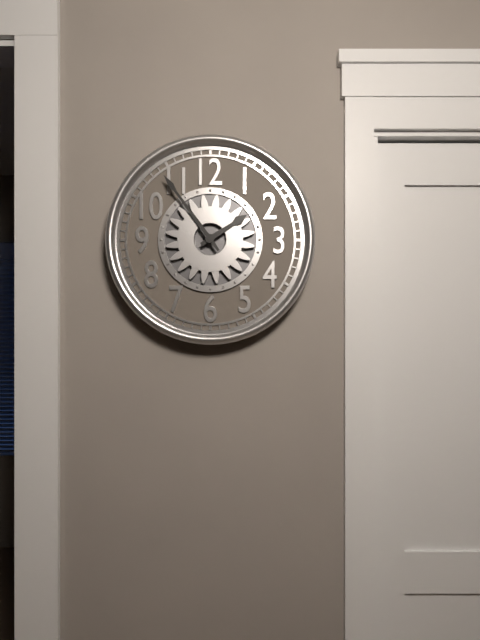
{"hour": 1, "minute": 54}
